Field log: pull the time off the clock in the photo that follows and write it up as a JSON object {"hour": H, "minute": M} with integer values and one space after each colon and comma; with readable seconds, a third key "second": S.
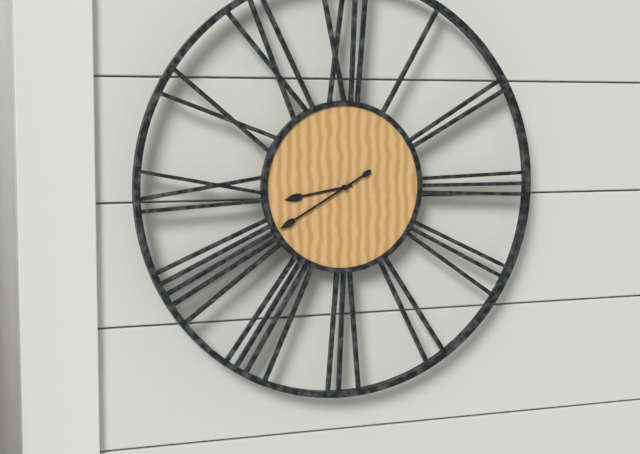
{"hour": 8, "minute": 40}
